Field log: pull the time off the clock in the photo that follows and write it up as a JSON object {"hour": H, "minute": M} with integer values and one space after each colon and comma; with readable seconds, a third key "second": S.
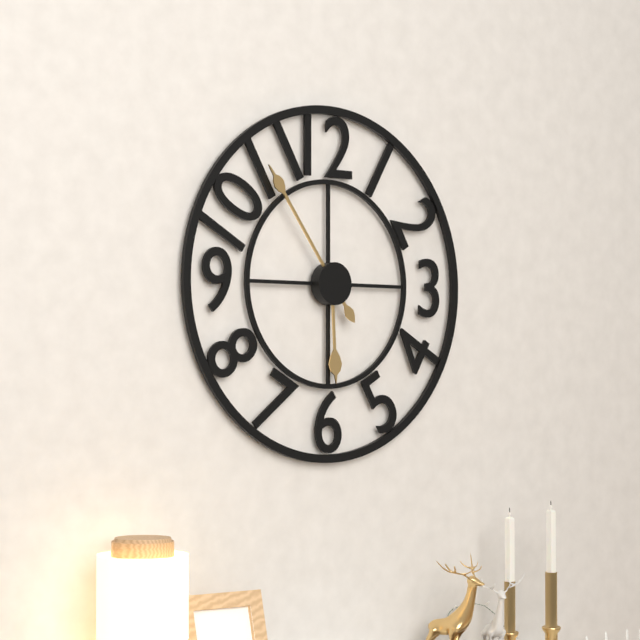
{"hour": 5, "minute": 54}
